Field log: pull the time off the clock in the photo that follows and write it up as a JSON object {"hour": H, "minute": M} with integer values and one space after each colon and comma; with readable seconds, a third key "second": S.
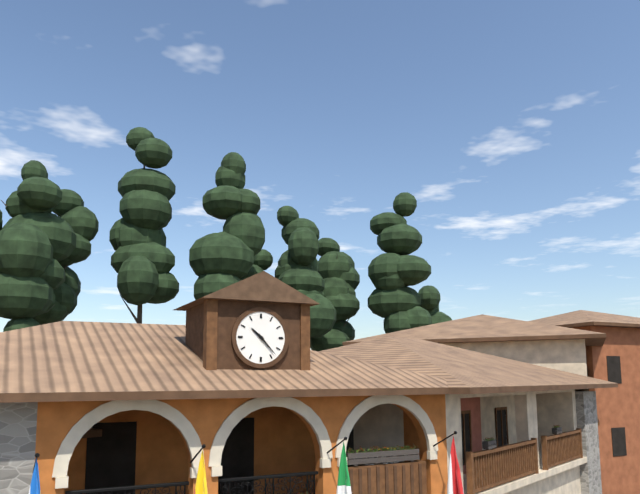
{"hour": 10, "minute": 23}
